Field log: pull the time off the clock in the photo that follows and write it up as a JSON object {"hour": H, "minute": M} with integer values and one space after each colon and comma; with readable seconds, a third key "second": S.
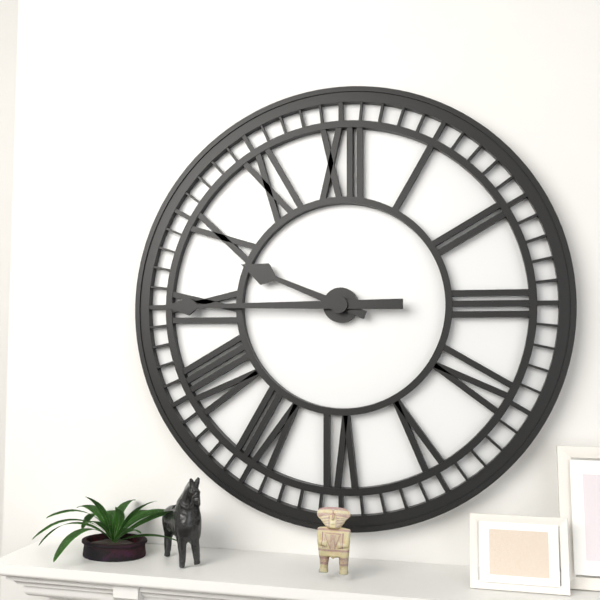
{"hour": 9, "minute": 45}
